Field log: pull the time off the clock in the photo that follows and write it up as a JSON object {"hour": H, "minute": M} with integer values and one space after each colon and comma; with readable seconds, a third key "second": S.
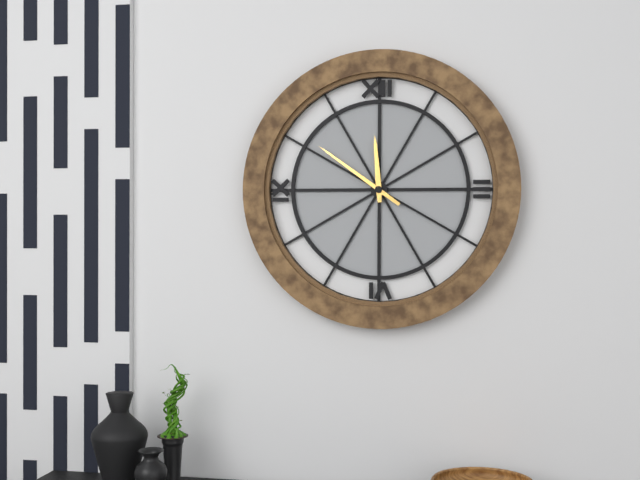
{"hour": 11, "minute": 51}
